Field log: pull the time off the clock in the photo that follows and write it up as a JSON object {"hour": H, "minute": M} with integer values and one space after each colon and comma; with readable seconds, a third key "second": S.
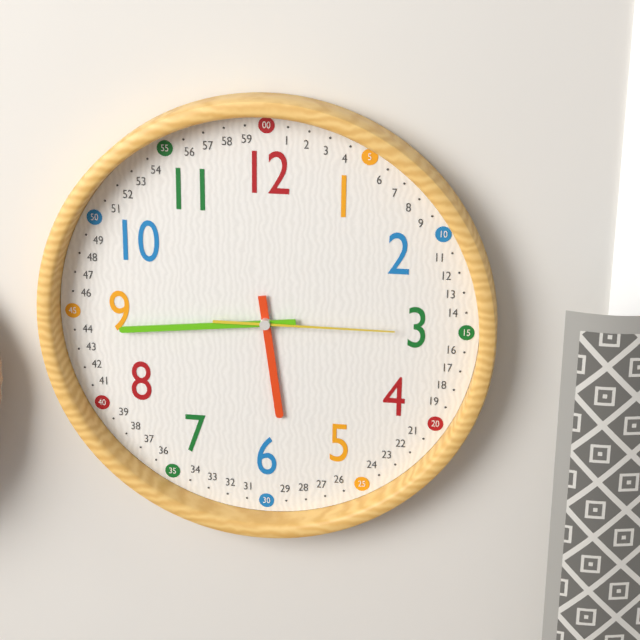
{"hour": 5, "minute": 44, "second": 15}
